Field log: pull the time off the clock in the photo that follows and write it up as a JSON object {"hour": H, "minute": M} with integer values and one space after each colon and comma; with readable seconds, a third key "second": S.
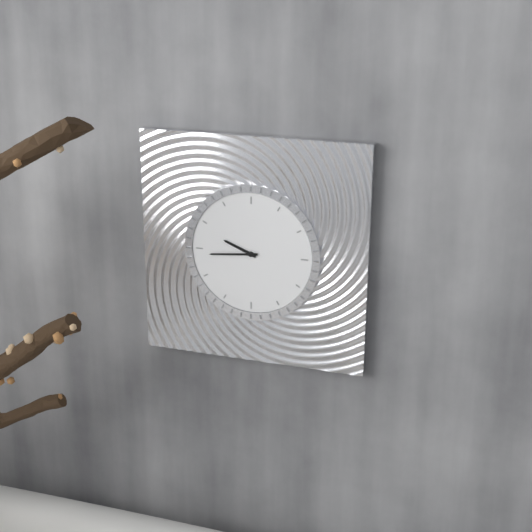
{"hour": 9, "minute": 44}
